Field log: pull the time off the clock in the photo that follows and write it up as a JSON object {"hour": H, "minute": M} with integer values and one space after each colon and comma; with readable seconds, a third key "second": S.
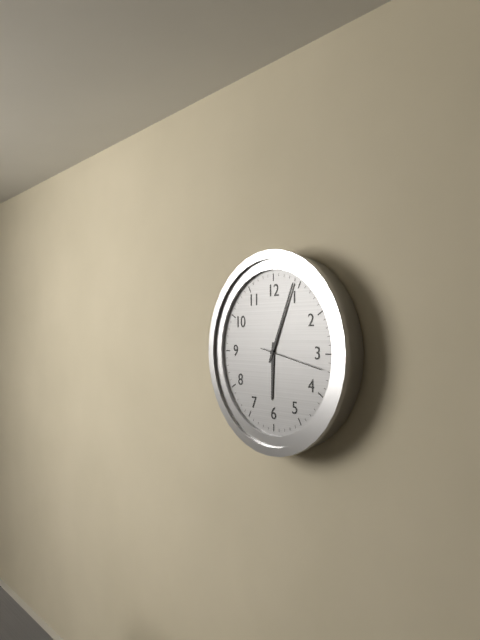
{"hour": 6, "minute": 4, "second": 17}
